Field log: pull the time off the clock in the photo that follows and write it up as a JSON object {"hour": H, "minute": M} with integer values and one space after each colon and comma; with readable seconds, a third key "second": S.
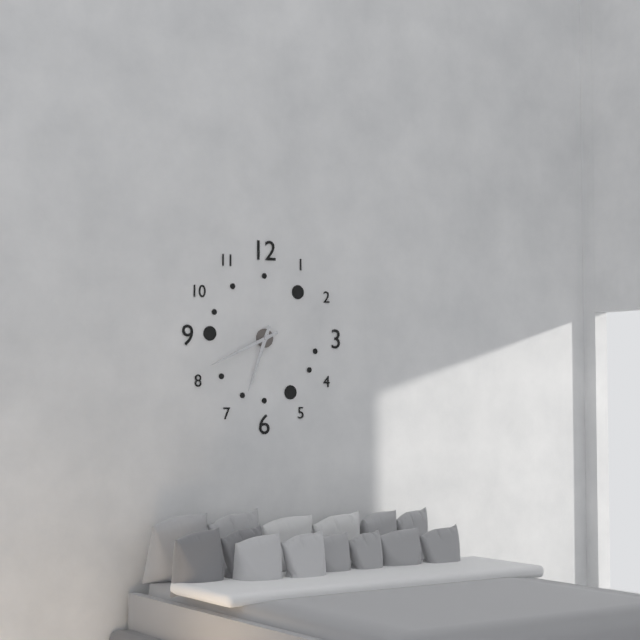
{"hour": 6, "minute": 41}
